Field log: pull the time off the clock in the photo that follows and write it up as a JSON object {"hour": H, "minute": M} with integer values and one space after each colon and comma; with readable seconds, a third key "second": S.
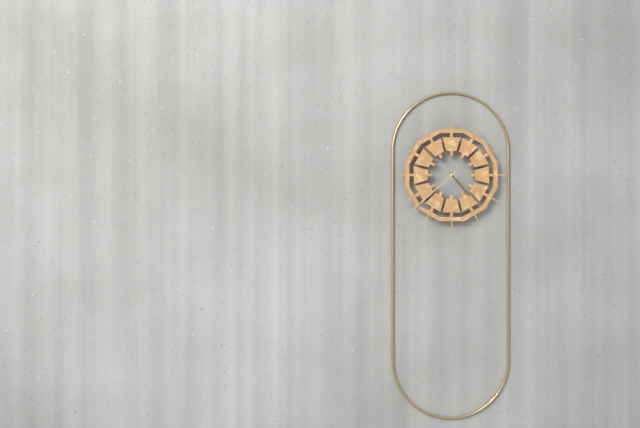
{"hour": 4, "minute": 38}
